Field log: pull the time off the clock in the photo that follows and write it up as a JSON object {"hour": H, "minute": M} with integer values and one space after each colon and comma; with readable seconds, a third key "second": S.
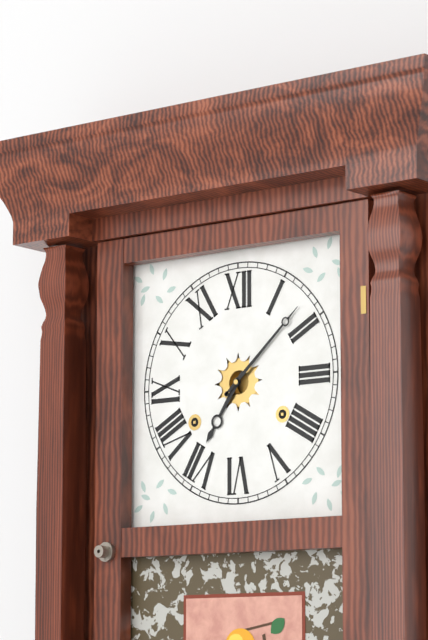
{"hour": 7, "minute": 8}
